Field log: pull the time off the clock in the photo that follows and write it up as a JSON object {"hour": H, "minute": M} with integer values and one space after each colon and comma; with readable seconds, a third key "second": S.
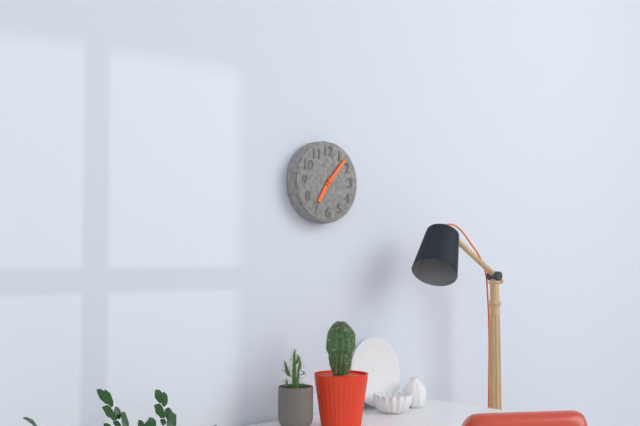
{"hour": 7, "minute": 7}
